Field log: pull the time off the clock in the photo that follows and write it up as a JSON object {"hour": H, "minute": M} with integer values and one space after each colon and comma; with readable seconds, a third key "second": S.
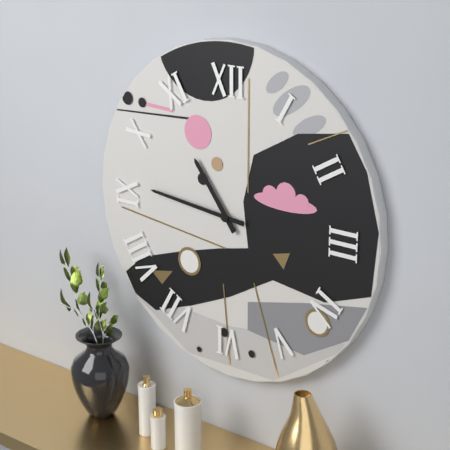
{"hour": 10, "minute": 46}
